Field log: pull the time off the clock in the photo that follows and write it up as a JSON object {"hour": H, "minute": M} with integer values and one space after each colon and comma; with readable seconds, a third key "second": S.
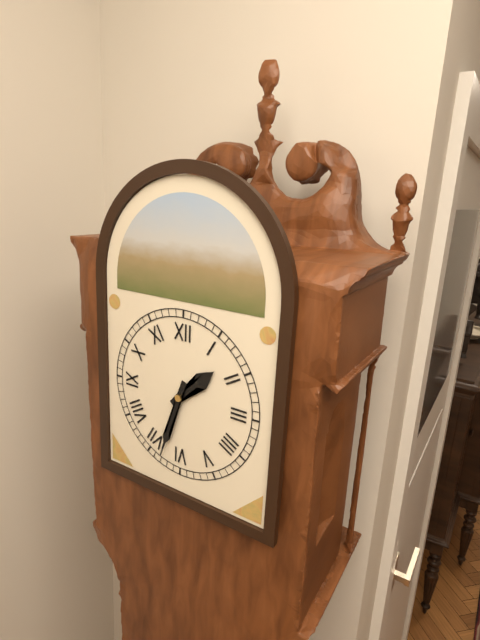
{"hour": 1, "minute": 33}
